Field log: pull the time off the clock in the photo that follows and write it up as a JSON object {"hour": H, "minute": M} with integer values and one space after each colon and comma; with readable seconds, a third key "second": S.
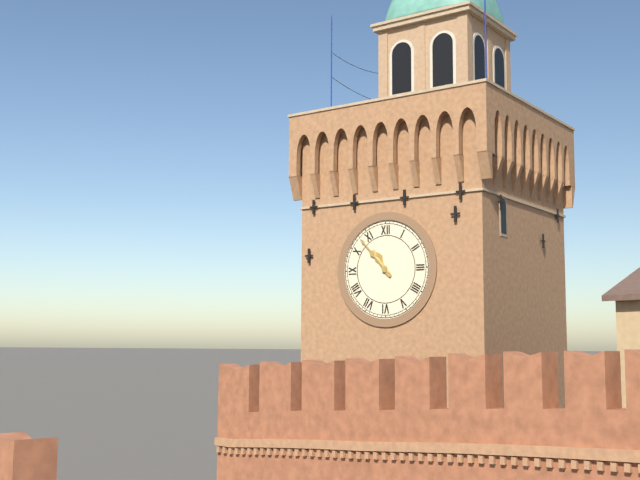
{"hour": 10, "minute": 53}
